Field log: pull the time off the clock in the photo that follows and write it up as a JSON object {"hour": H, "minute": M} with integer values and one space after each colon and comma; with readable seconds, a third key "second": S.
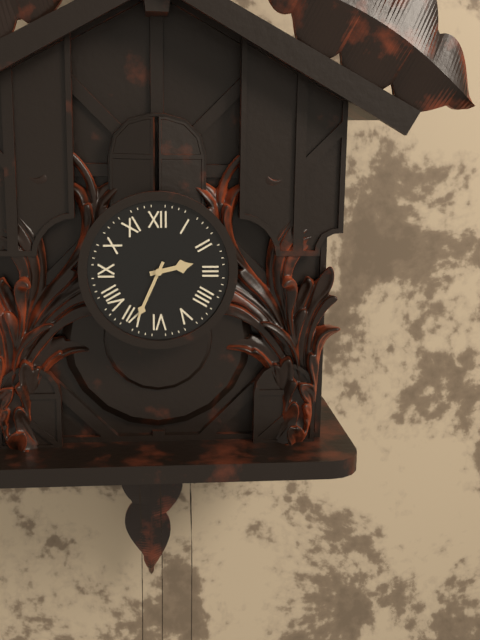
{"hour": 2, "minute": 34}
